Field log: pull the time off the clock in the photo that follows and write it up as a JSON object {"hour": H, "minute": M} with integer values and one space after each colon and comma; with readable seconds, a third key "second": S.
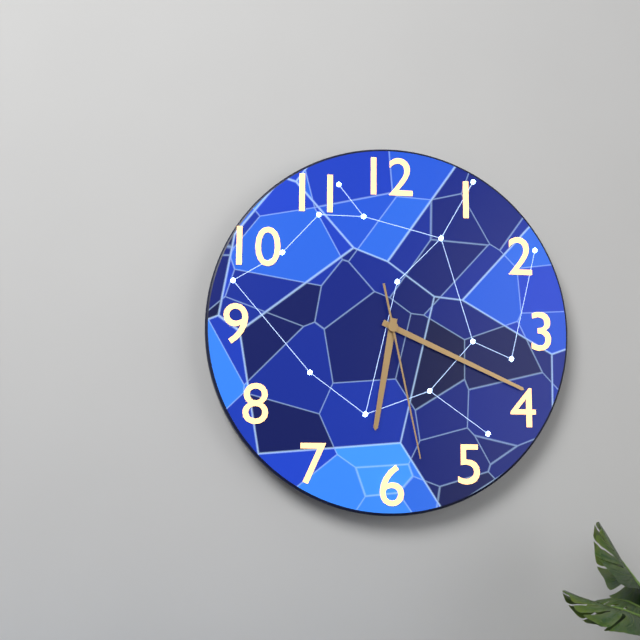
{"hour": 6, "minute": 19, "second": 28}
